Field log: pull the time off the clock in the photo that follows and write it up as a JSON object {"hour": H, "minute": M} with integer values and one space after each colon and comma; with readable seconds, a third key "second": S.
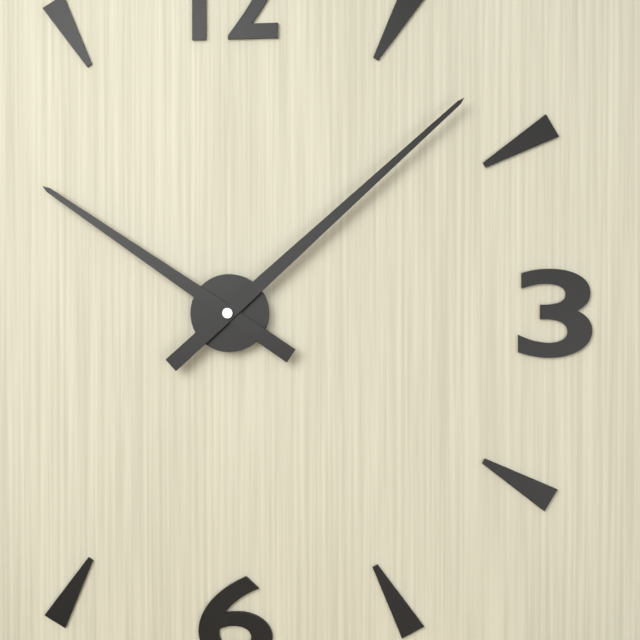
{"hour": 10, "minute": 8}
